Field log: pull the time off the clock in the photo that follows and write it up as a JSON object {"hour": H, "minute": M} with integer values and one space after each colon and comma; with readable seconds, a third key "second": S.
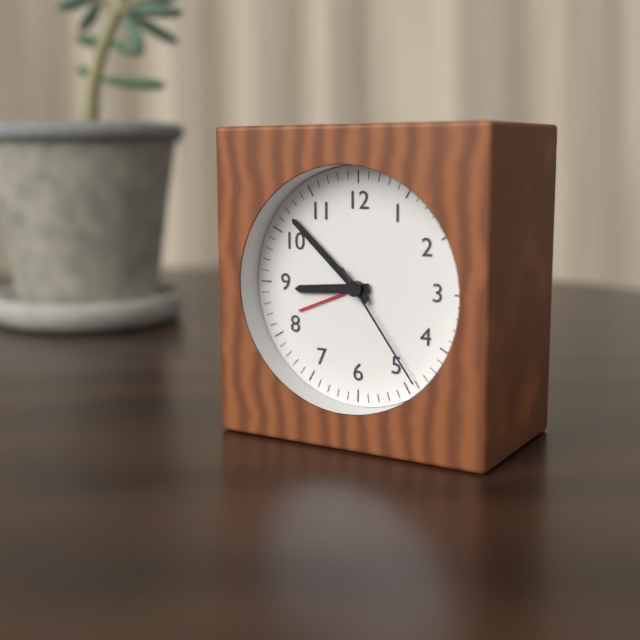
{"hour": 8, "minute": 52, "second": 24}
